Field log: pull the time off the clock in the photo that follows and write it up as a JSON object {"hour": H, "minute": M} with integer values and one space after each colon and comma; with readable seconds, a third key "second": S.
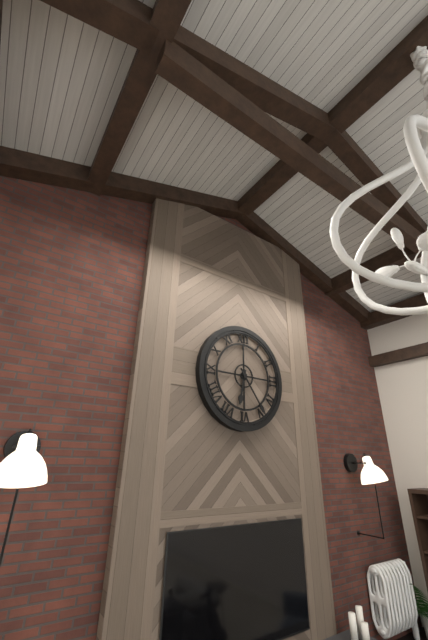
{"hour": 6, "minute": 24}
